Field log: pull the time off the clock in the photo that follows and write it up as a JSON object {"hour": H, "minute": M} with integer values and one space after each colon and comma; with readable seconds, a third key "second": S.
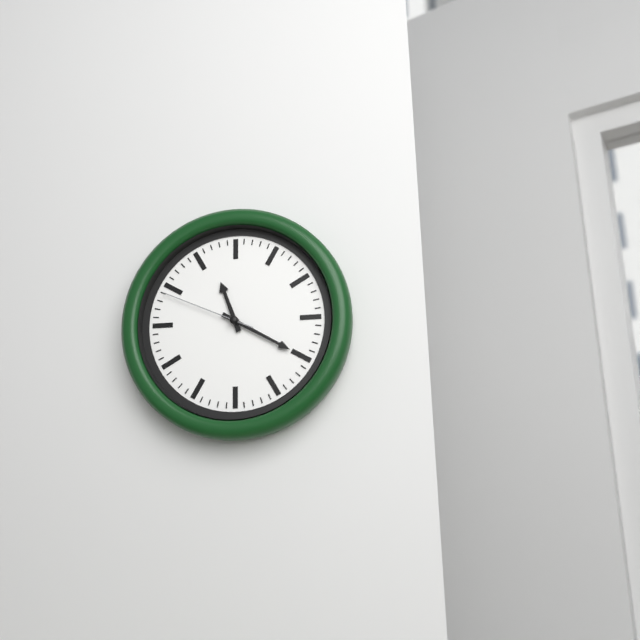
{"hour": 11, "minute": 20, "second": 49}
